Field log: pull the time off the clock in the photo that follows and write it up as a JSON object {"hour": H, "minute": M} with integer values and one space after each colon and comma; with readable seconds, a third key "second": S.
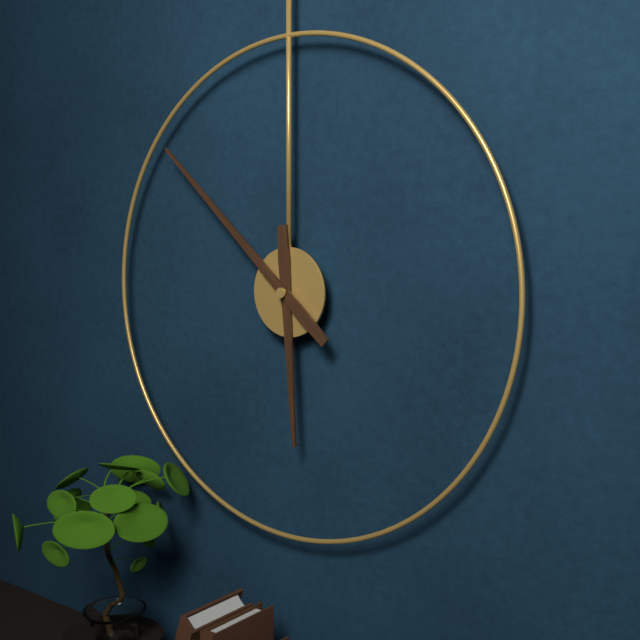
{"hour": 5, "minute": 52}
